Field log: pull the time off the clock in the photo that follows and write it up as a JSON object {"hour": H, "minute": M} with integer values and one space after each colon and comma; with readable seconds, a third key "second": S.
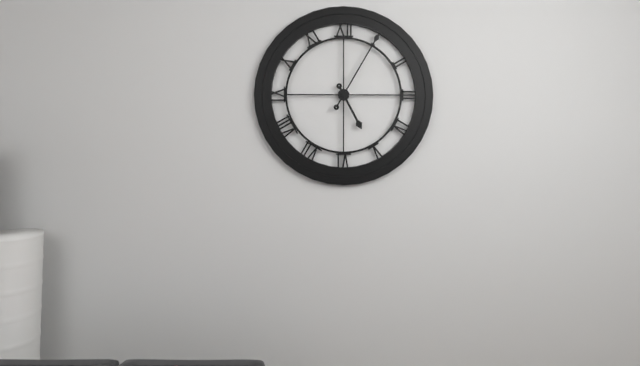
{"hour": 5, "minute": 5}
